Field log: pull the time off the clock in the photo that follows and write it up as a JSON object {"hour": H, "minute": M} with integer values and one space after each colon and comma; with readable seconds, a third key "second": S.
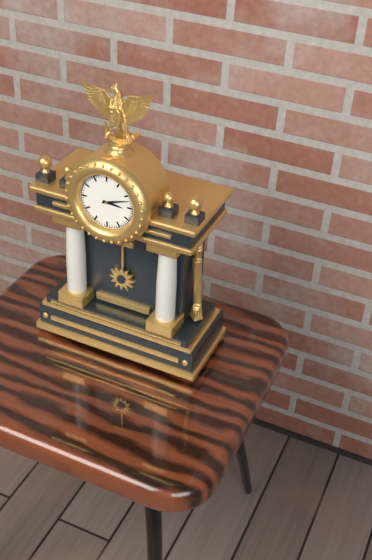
{"hour": 3, "minute": 12}
